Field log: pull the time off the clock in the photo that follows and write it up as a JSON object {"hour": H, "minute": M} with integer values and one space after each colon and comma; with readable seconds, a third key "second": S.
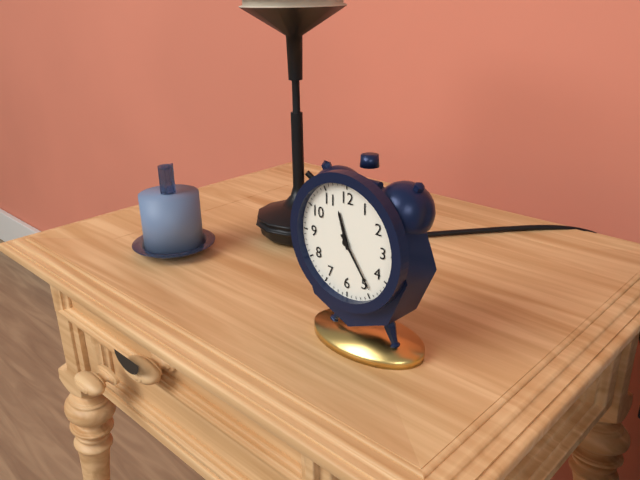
{"hour": 11, "minute": 24}
